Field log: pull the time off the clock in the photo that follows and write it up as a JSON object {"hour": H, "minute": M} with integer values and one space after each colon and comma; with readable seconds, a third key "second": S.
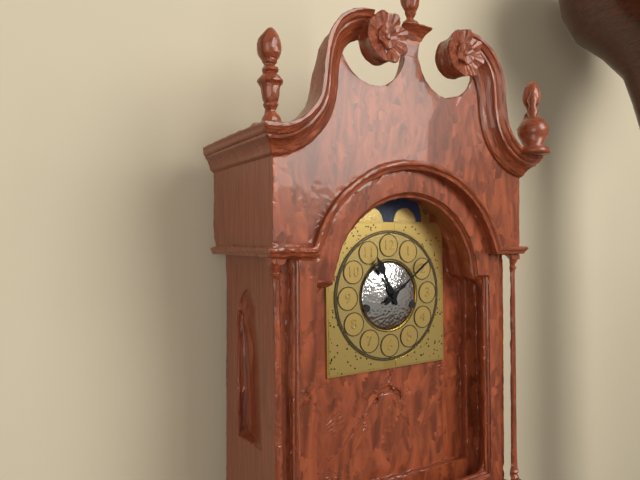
{"hour": 11, "minute": 9}
